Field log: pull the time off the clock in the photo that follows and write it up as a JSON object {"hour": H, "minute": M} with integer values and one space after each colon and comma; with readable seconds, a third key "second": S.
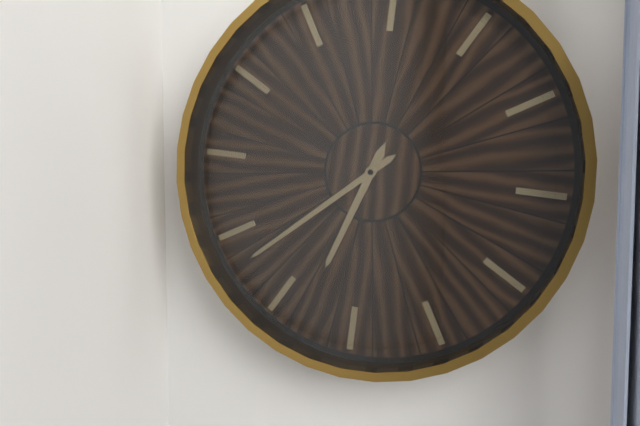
{"hour": 6, "minute": 38}
